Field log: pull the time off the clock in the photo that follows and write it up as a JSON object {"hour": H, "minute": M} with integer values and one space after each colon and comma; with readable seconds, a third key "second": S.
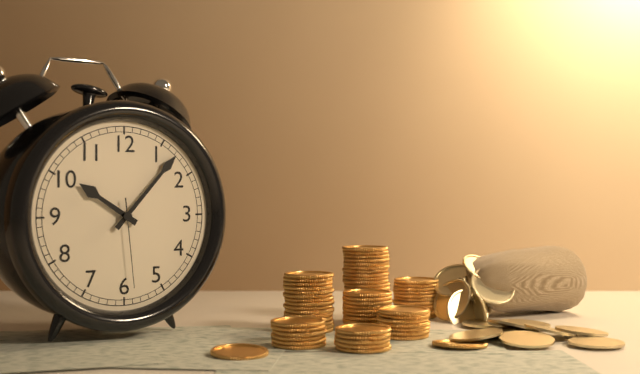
{"hour": 10, "minute": 7, "second": 29}
